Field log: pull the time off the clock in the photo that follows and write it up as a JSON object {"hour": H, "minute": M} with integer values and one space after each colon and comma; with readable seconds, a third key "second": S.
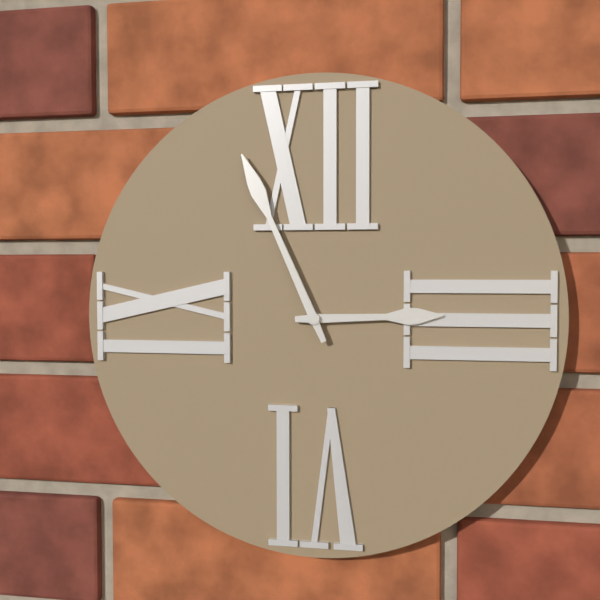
{"hour": 2, "minute": 56}
